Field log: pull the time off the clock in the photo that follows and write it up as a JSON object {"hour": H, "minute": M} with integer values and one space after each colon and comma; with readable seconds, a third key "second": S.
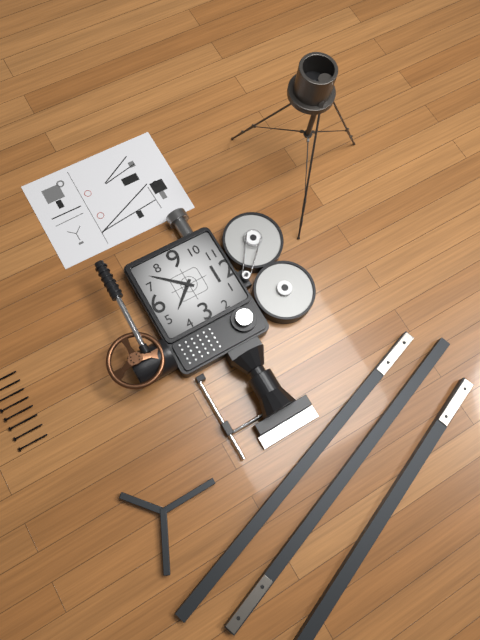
{"hour": 4, "minute": 37}
